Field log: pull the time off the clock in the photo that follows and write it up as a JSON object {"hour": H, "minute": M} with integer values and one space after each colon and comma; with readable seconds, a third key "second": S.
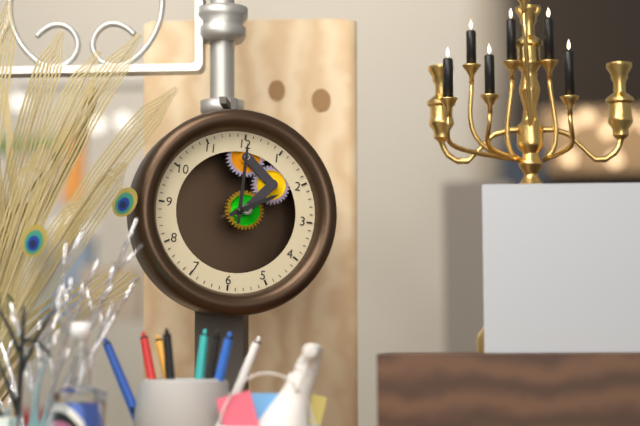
{"hour": 2, "minute": 0}
